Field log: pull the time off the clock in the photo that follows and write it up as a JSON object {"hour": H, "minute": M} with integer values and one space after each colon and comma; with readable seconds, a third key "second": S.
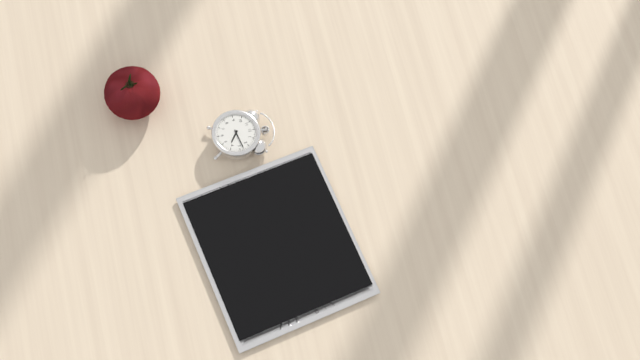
{"hour": 4, "minute": 13}
